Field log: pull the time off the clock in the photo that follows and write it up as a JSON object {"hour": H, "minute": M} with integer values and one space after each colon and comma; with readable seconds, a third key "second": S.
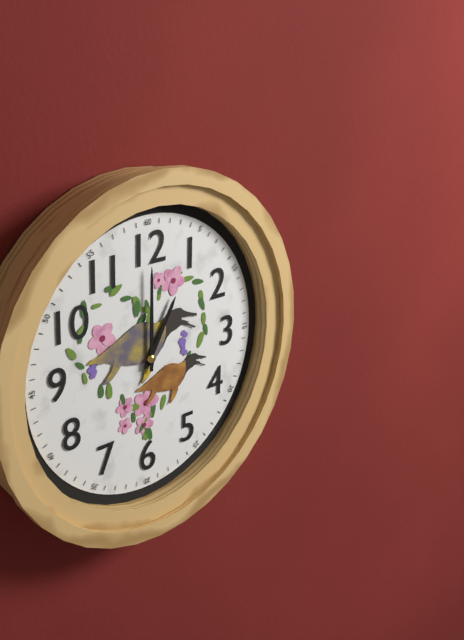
{"hour": 1, "minute": 0}
